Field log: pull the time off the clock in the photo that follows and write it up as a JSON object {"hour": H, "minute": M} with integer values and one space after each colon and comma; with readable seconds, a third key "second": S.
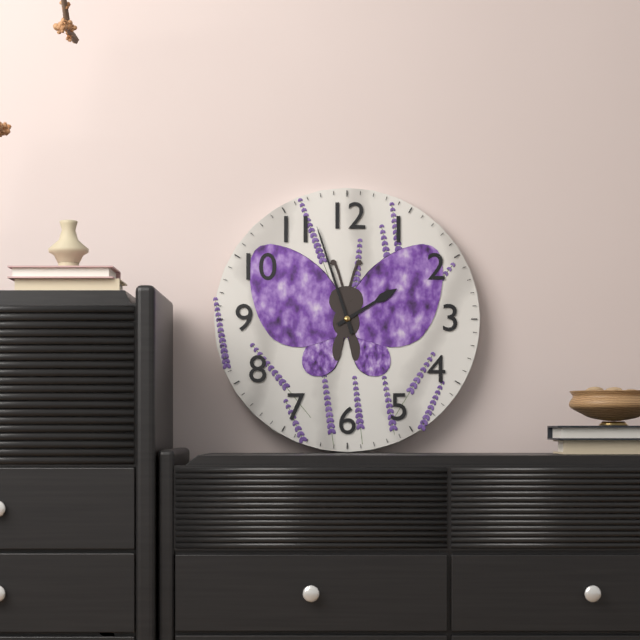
{"hour": 1, "minute": 57}
